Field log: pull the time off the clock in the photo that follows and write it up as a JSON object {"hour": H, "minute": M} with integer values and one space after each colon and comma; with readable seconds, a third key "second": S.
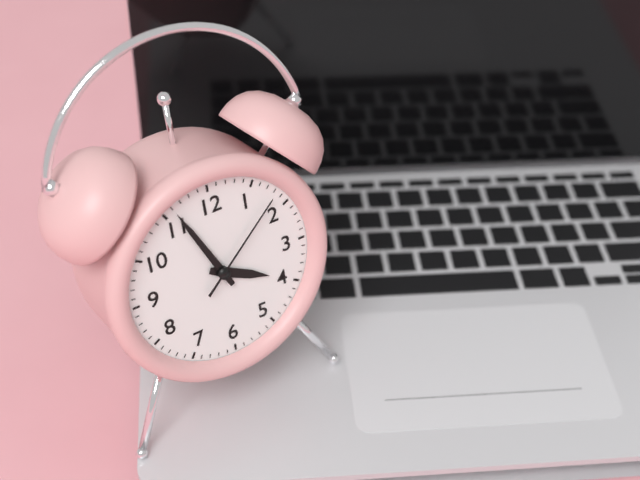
{"hour": 3, "minute": 56, "second": 8}
